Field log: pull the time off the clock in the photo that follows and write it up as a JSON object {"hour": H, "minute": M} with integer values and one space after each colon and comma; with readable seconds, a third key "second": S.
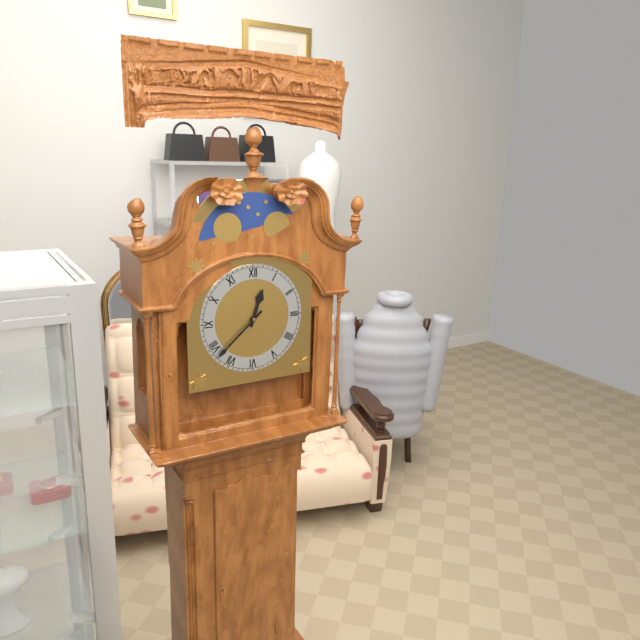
{"hour": 12, "minute": 38}
